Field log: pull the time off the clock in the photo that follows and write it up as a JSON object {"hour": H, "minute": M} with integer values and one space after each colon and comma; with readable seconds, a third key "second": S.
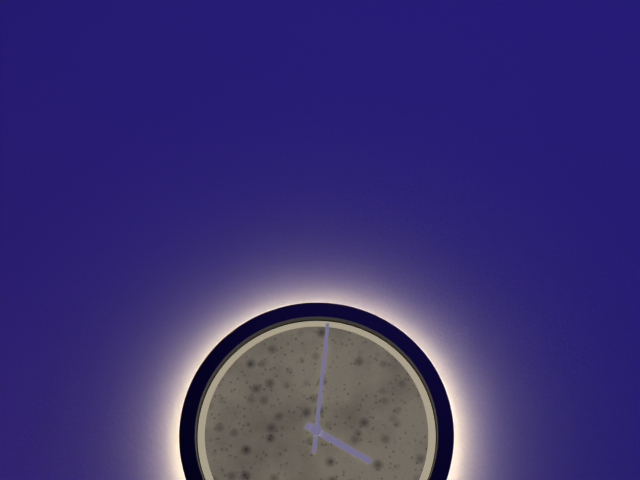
{"hour": 4, "minute": 1}
